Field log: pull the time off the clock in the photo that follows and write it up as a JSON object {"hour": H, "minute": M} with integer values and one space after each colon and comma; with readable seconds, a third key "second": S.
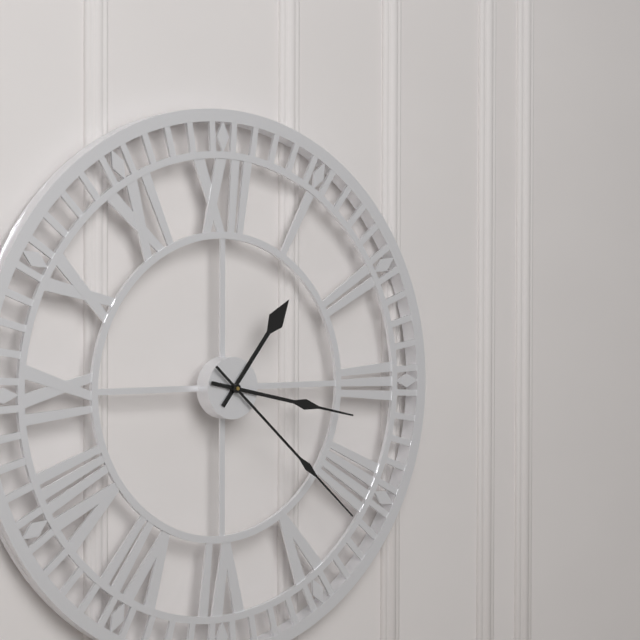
{"hour": 1, "minute": 17, "second": 22}
